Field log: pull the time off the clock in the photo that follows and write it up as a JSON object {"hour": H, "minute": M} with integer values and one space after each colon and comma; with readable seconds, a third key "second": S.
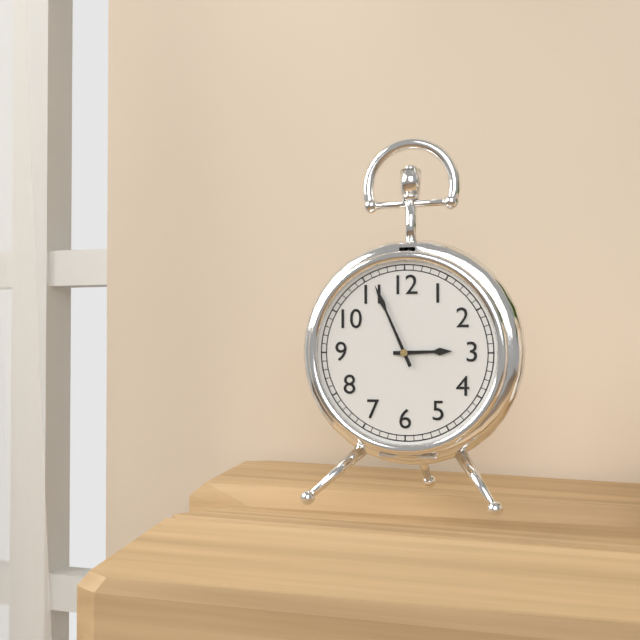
{"hour": 2, "minute": 56}
